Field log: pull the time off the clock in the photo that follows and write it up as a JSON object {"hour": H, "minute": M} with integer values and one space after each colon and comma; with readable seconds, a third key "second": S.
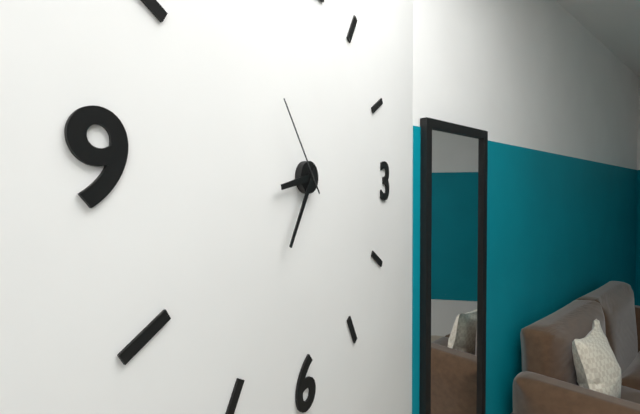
{"hour": 8, "minute": 35, "second": 54}
